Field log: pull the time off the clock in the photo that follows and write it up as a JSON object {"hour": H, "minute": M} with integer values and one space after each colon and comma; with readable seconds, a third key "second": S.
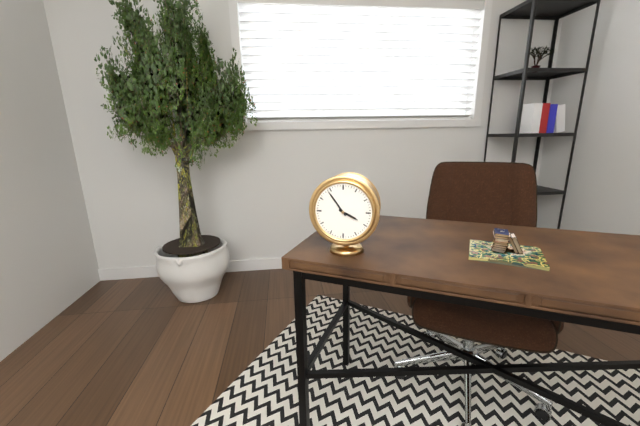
{"hour": 3, "minute": 54}
